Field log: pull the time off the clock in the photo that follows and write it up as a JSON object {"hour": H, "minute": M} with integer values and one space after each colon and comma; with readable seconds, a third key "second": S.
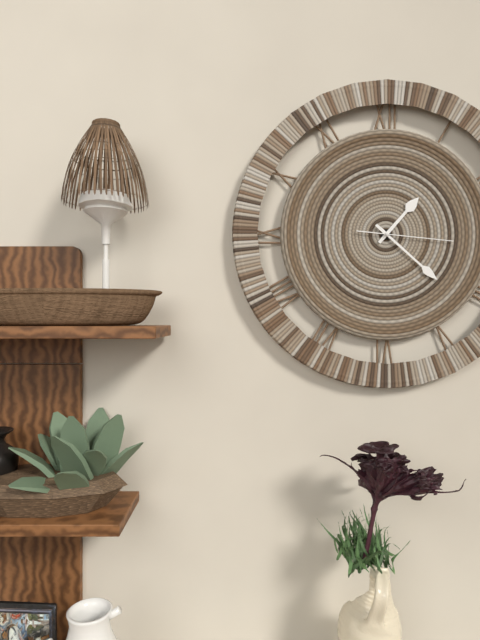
{"hour": 1, "minute": 22, "second": 16}
